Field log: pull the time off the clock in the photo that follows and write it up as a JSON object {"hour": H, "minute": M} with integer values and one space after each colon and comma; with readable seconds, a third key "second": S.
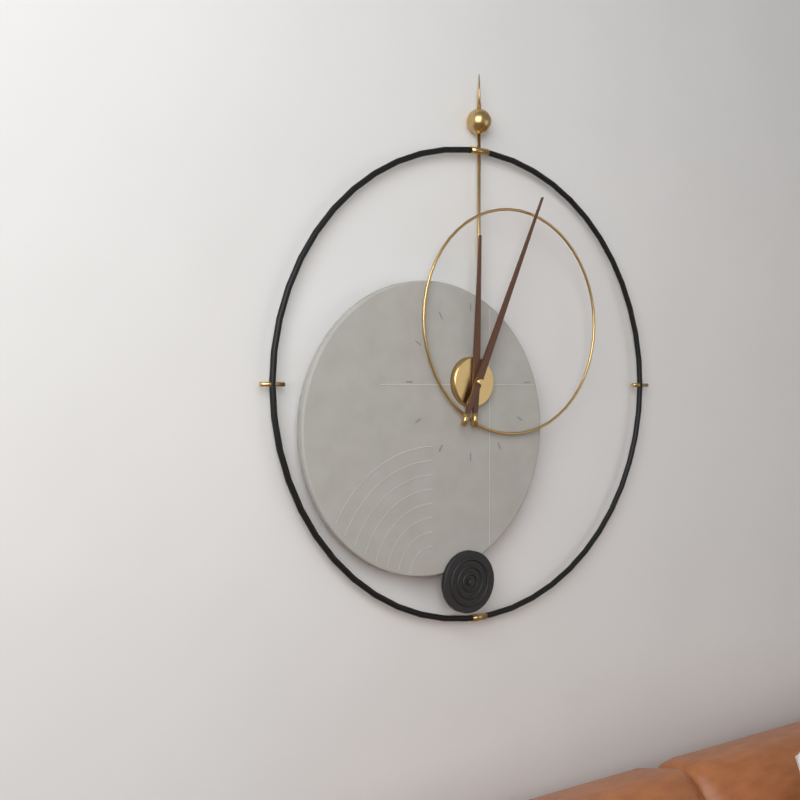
{"hour": 12, "minute": 4}
